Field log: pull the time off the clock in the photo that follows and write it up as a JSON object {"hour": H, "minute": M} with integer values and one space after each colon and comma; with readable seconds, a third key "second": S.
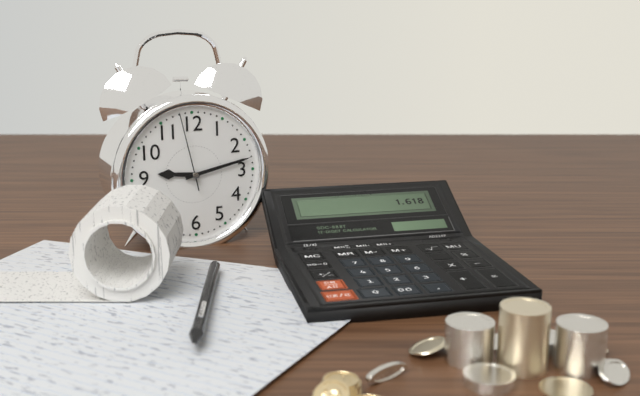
{"hour": 9, "minute": 13, "second": 58}
